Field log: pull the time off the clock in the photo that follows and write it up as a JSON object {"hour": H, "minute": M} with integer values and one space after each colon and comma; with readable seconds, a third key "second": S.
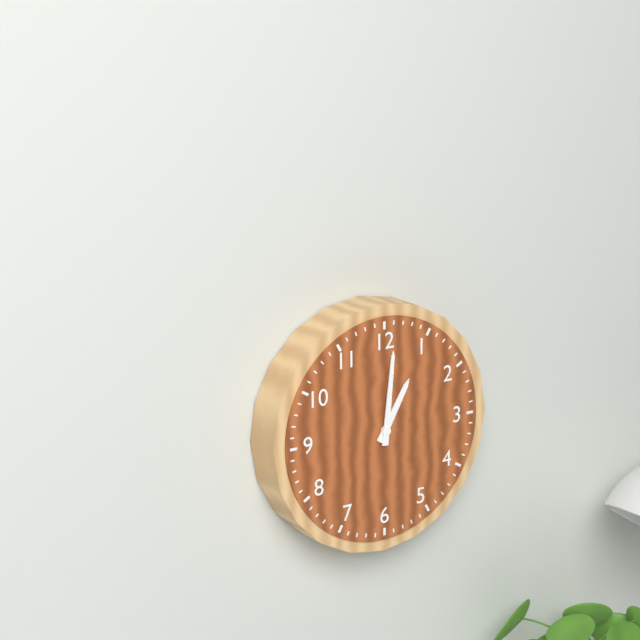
{"hour": 1, "minute": 1}
